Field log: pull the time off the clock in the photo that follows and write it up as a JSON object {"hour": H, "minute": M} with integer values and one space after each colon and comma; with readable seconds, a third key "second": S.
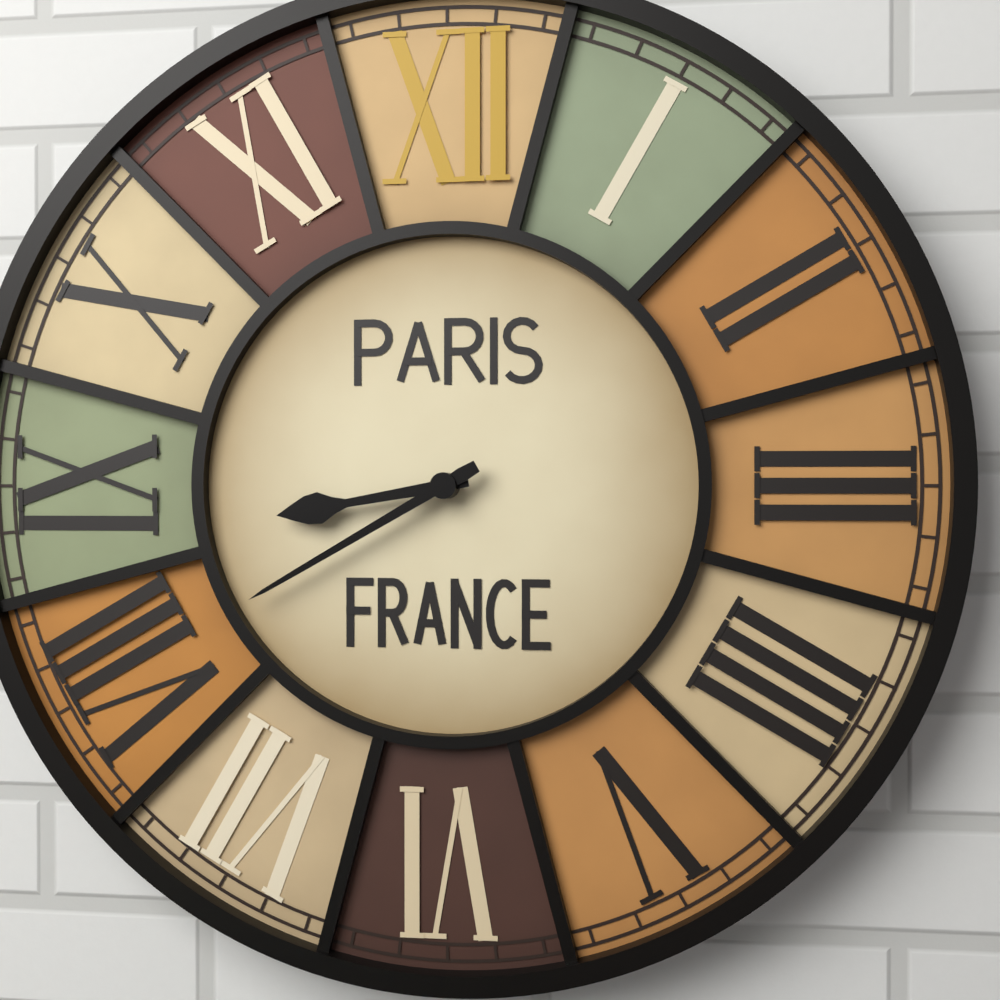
{"hour": 8, "minute": 40}
